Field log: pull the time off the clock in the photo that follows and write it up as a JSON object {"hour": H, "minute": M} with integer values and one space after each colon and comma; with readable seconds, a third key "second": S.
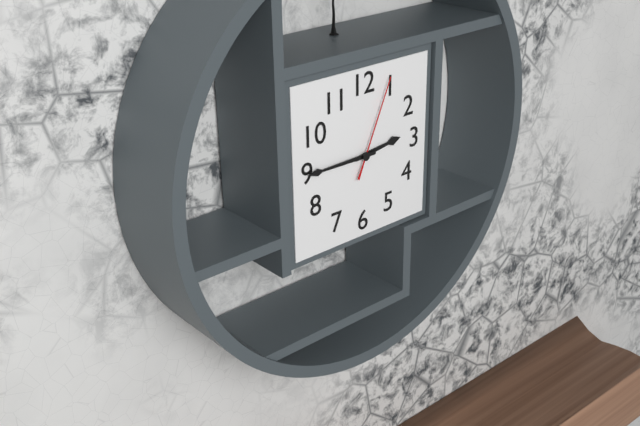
{"hour": 2, "minute": 45, "second": 4}
